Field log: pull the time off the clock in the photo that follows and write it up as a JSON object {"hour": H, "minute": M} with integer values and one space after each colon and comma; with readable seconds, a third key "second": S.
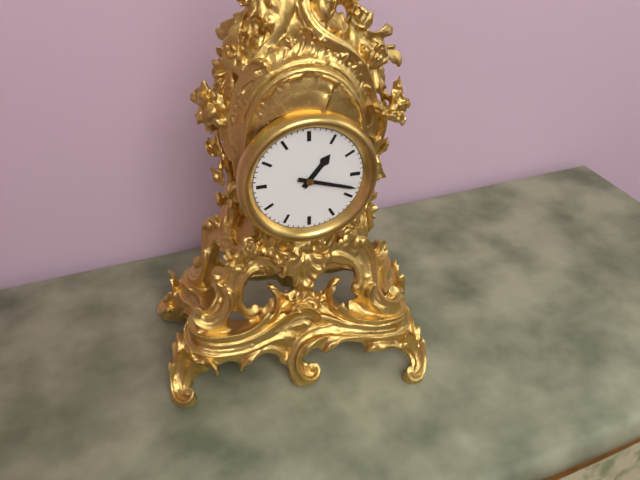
{"hour": 1, "minute": 18}
